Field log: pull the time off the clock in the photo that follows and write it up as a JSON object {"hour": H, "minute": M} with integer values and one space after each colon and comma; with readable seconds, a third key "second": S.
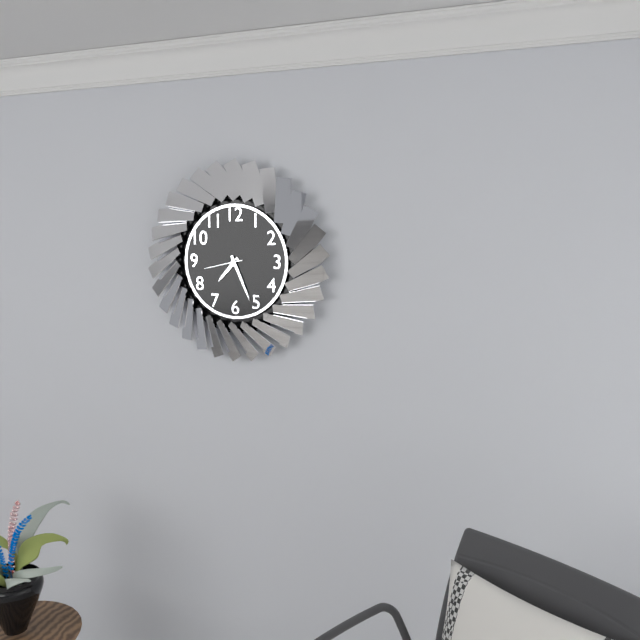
{"hour": 7, "minute": 26}
